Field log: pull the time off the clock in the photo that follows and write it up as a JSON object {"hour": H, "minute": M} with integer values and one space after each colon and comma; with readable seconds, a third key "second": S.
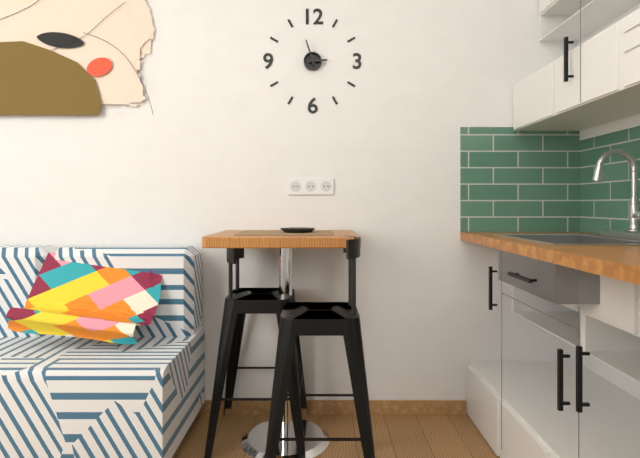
{"hour": 2, "minute": 57}
